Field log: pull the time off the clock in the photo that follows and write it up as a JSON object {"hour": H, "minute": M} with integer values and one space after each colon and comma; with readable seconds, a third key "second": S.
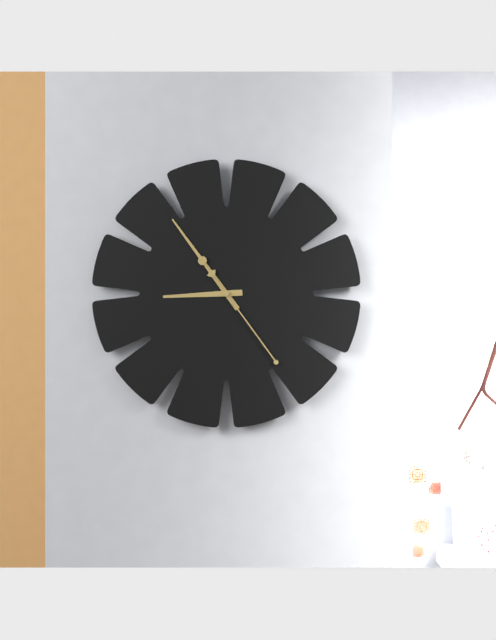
{"hour": 8, "minute": 54, "second": 24}
